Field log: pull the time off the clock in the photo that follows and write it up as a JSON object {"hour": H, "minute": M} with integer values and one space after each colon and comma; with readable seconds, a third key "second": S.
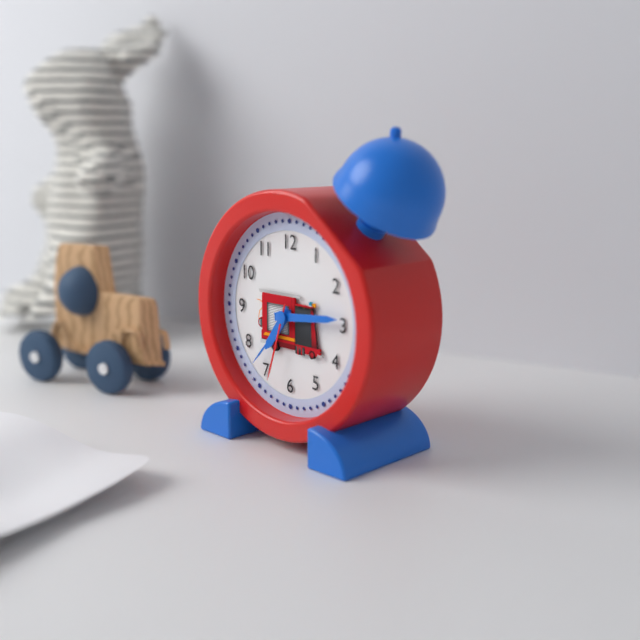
{"hour": 7, "minute": 14, "second": 33}
